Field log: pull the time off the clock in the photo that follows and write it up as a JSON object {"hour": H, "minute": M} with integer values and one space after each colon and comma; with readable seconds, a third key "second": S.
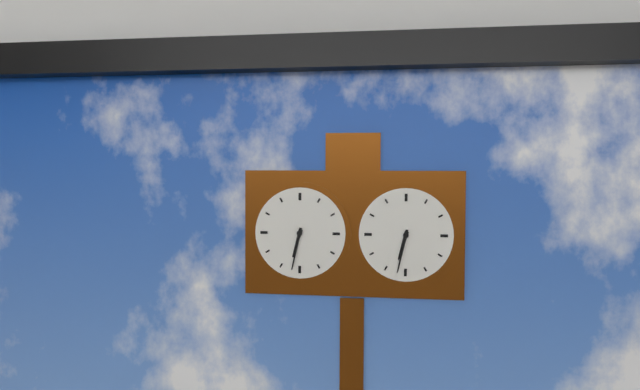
{"hour": 6, "minute": 32}
